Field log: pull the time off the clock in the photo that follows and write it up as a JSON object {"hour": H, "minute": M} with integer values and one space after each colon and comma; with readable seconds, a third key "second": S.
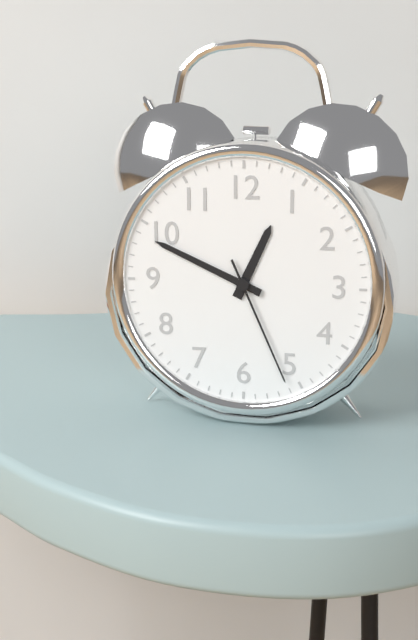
{"hour": 12, "minute": 49, "second": 26}
